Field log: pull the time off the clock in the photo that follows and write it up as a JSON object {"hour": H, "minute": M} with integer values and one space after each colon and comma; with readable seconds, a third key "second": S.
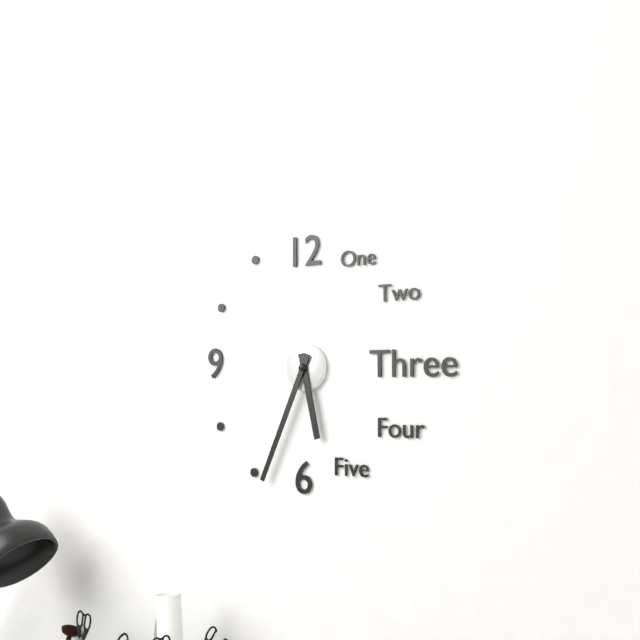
{"hour": 5, "minute": 34}
